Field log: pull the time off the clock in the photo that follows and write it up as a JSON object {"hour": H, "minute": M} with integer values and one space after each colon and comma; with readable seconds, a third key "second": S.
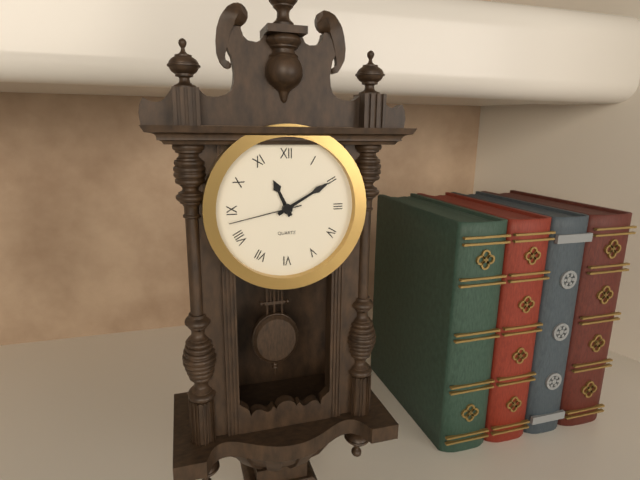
{"hour": 11, "minute": 10, "second": 43}
